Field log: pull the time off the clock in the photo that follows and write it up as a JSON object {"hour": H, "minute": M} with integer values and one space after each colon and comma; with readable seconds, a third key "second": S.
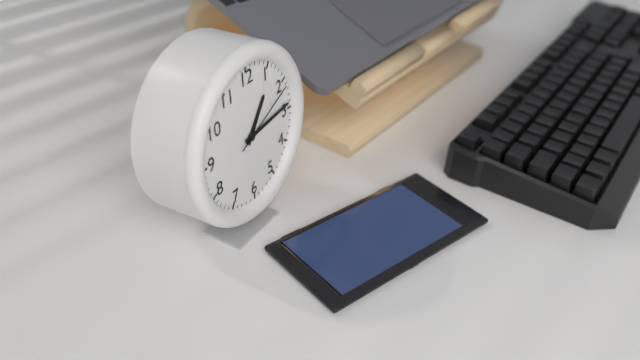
{"hour": 1, "minute": 14, "second": 11}
